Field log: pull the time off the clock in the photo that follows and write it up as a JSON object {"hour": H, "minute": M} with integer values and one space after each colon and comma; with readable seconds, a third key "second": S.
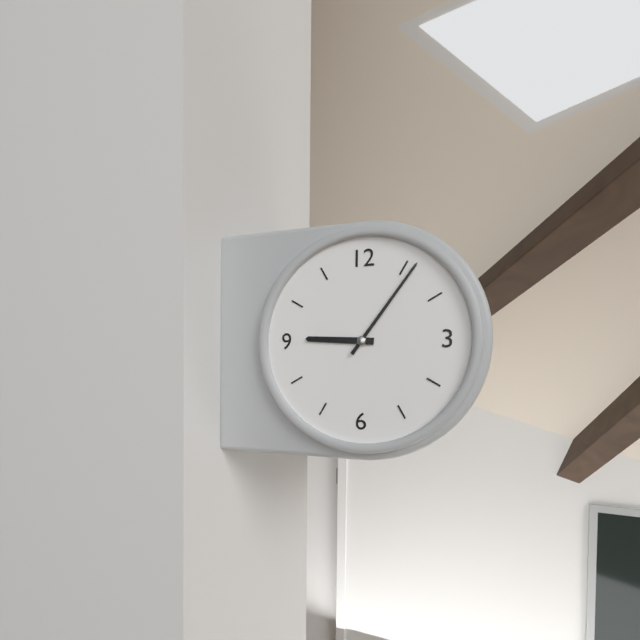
{"hour": 9, "minute": 6}
